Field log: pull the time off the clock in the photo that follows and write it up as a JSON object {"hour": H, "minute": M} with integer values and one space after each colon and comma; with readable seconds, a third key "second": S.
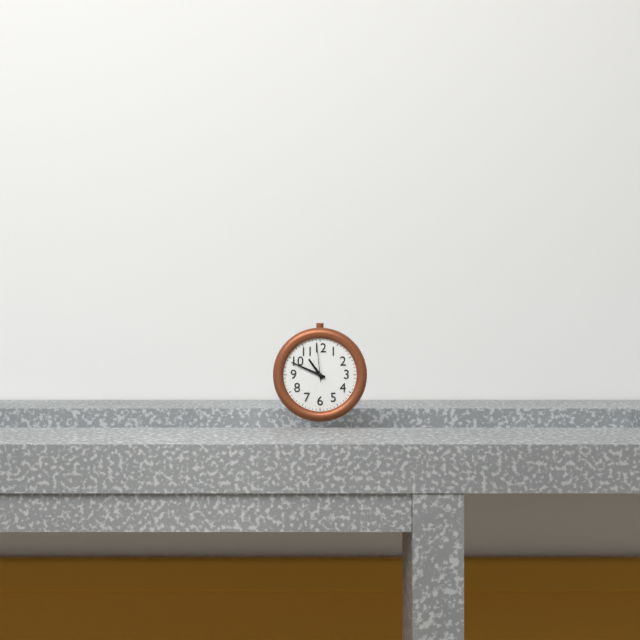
{"hour": 10, "minute": 49}
